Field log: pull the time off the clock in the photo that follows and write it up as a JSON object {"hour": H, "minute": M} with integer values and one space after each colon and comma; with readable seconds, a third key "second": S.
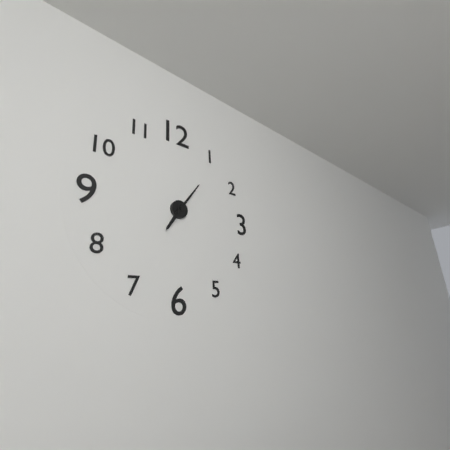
{"hour": 7, "minute": 6}
